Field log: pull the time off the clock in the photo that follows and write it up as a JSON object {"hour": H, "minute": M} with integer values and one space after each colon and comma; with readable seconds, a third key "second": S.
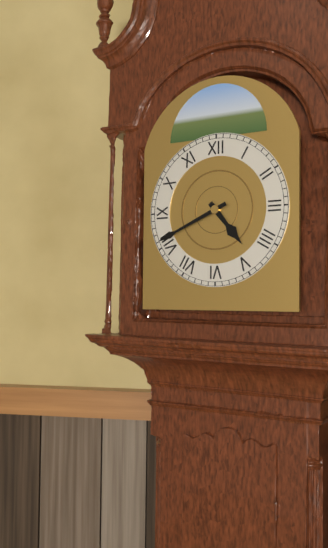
{"hour": 4, "minute": 41}
